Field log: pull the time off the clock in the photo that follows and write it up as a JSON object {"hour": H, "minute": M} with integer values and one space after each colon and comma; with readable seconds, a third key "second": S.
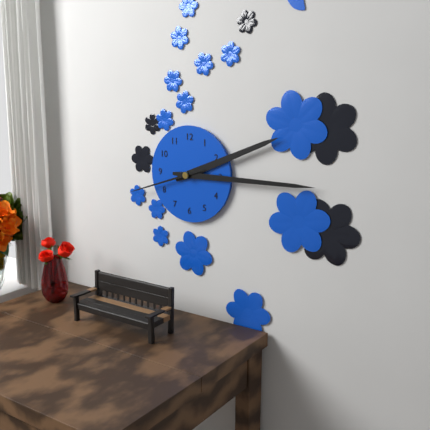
{"hour": 2, "minute": 15, "second": 42}
